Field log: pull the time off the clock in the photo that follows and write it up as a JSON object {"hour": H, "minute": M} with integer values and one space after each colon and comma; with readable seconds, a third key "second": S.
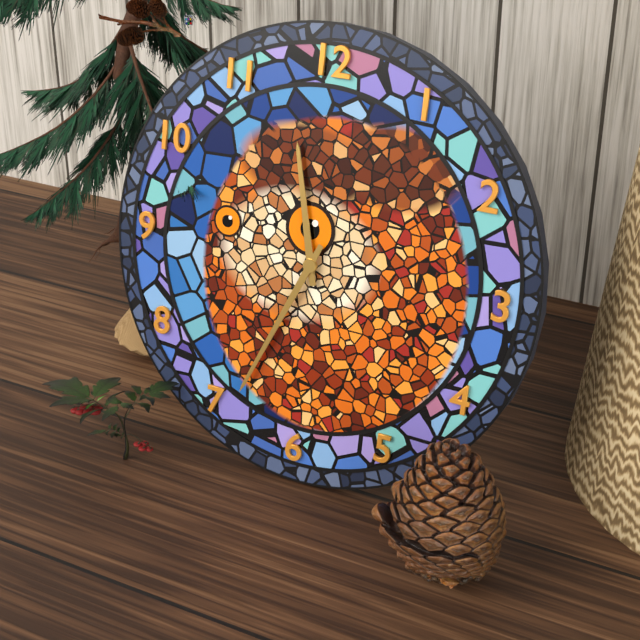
{"hour": 11, "minute": 34}
